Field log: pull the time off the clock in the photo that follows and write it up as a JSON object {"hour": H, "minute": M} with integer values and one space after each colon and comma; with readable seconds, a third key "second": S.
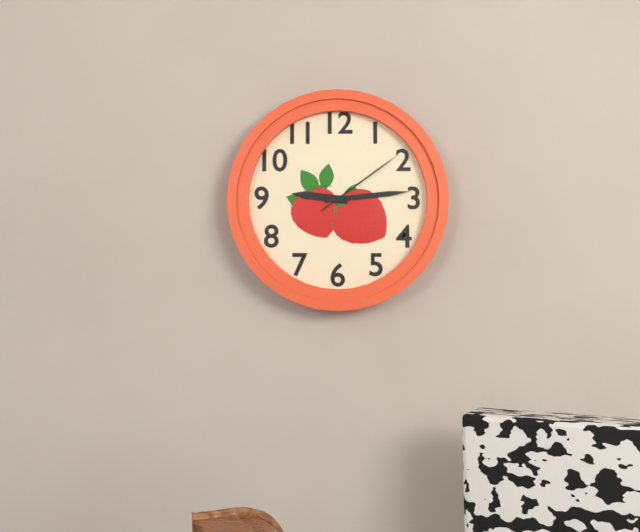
{"hour": 9, "minute": 14, "second": 9}
